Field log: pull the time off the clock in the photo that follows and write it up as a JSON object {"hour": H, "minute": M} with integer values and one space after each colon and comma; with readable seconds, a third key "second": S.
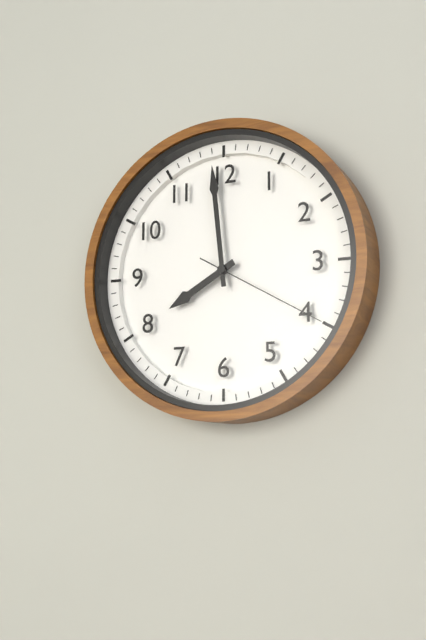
{"hour": 7, "minute": 59, "second": 20}
